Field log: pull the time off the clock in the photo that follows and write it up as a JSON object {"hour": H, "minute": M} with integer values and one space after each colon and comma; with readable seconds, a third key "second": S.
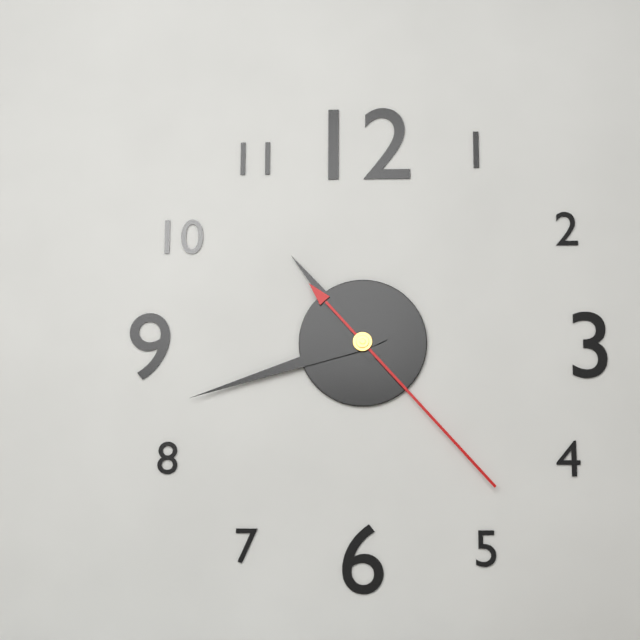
{"hour": 10, "minute": 42, "second": 23}
